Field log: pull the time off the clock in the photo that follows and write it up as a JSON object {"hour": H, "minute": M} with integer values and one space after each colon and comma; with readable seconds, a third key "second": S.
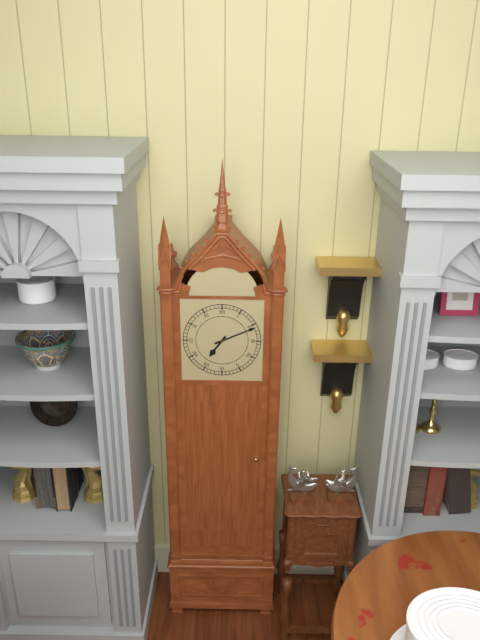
{"hour": 7, "minute": 11}
